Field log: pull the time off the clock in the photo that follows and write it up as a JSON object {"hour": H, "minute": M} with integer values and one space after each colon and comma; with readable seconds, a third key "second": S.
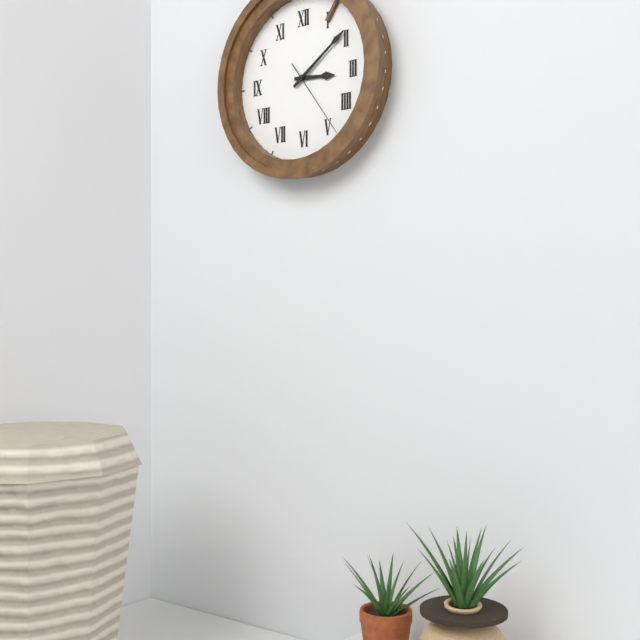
{"hour": 3, "minute": 9, "second": 24}
